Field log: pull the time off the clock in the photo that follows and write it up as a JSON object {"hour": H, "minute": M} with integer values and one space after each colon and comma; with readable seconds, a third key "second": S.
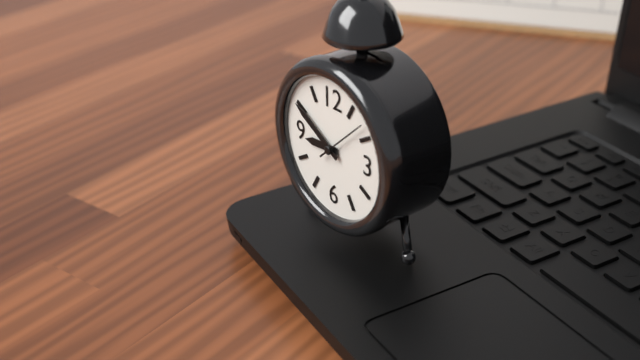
{"hour": 8, "minute": 50}
